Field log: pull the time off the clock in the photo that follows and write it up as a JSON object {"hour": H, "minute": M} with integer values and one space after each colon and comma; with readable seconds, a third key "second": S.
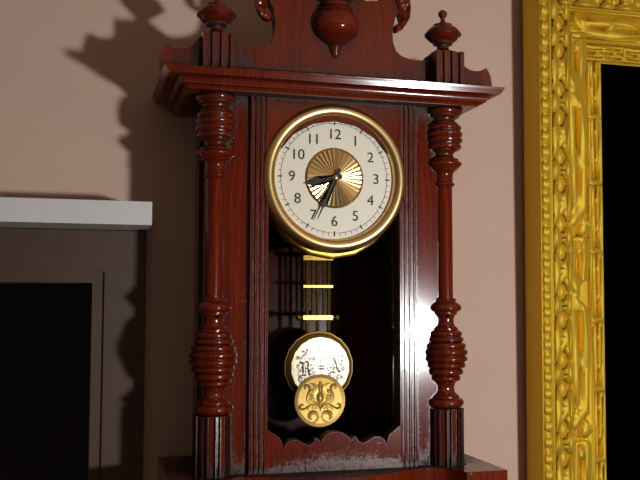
{"hour": 8, "minute": 34}
